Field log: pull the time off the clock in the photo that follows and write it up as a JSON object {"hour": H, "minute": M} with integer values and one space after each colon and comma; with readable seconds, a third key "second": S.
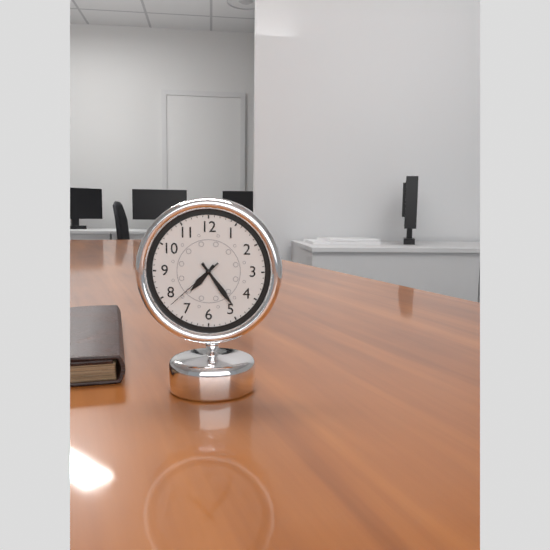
{"hour": 7, "minute": 24, "second": 38}
